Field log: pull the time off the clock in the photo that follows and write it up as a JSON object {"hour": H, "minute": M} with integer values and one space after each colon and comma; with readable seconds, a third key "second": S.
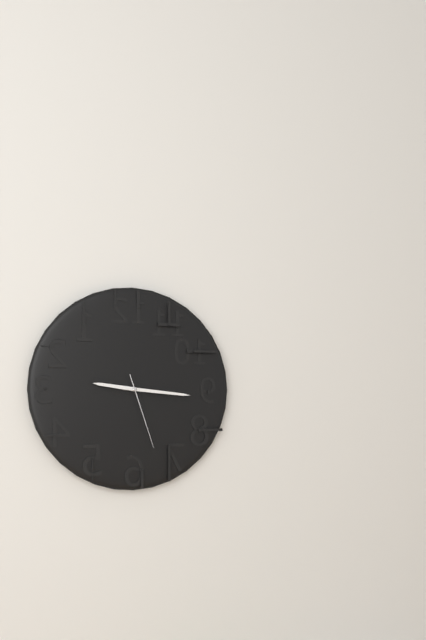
{"hour": 9, "minute": 16, "second": 27}
